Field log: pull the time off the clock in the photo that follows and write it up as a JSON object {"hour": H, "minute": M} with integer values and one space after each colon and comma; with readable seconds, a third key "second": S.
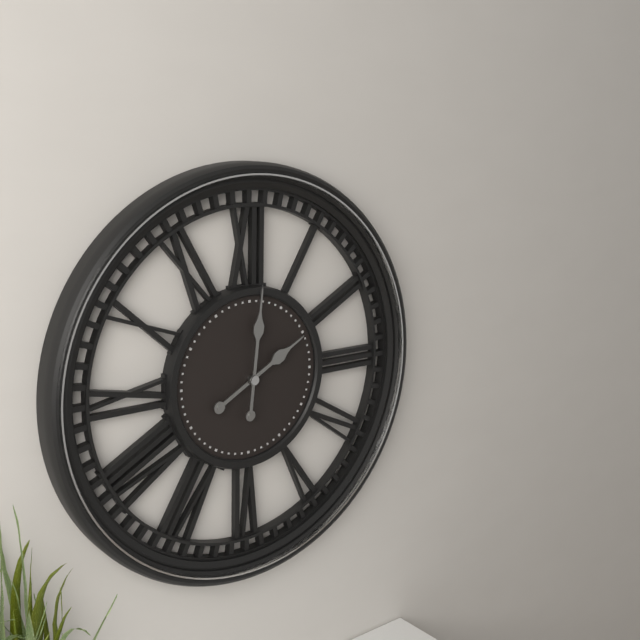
{"hour": 2, "minute": 1}
